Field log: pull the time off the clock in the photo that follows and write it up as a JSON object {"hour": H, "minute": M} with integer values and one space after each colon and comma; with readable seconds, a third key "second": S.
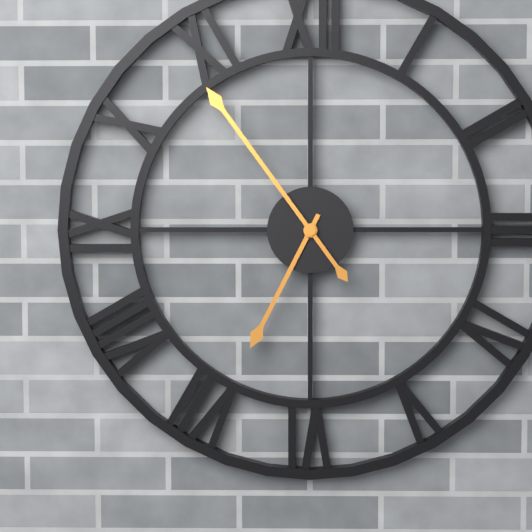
{"hour": 6, "minute": 54}
